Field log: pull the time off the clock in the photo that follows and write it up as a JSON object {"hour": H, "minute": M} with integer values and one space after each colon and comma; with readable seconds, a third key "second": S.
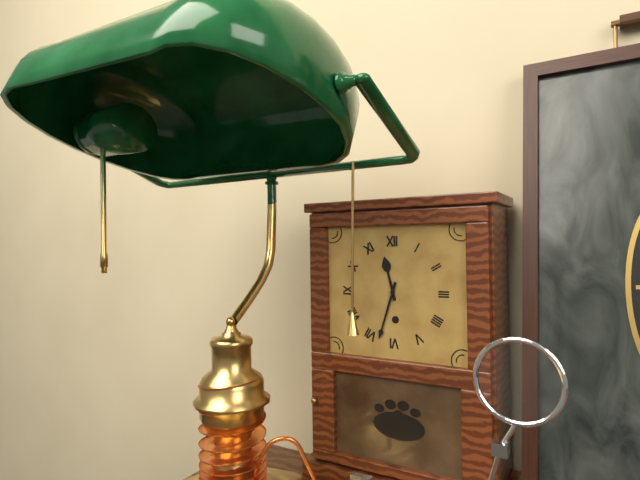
{"hour": 11, "minute": 33}
